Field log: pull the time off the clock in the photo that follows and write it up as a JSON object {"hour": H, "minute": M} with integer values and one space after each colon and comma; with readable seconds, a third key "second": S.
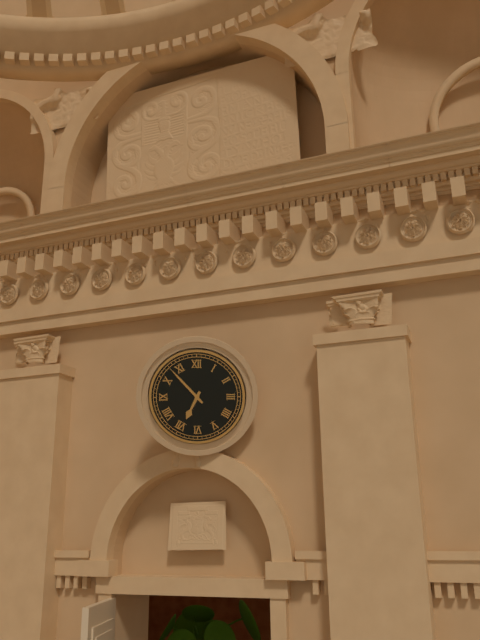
{"hour": 6, "minute": 53}
